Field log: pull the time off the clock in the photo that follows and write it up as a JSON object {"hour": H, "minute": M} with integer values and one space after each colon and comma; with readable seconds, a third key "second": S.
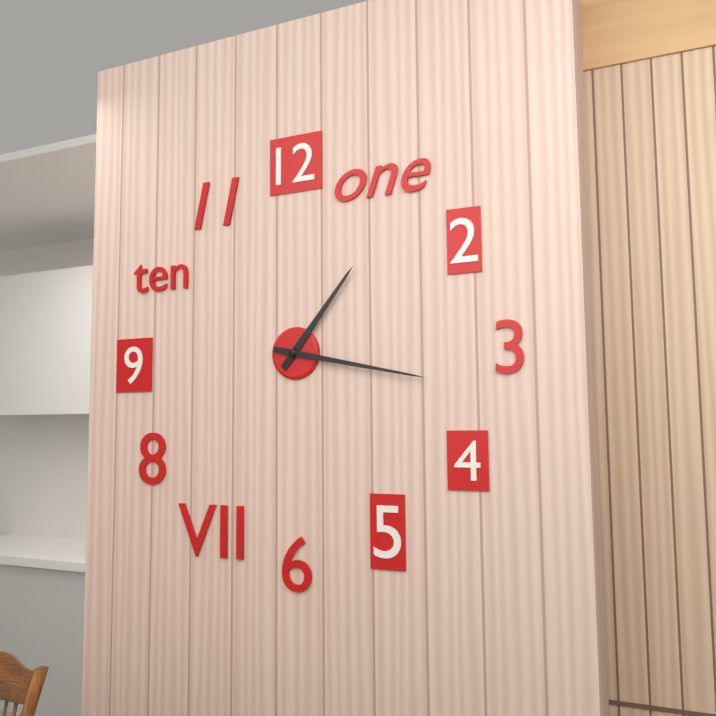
{"hour": 1, "minute": 17}
